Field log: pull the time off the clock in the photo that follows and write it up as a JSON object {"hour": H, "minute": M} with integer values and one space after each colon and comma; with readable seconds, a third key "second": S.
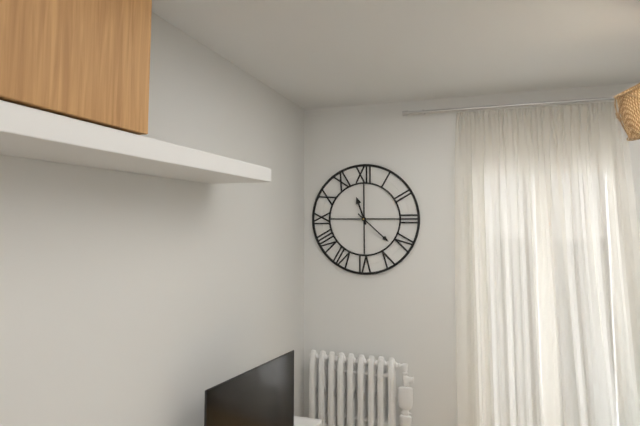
{"hour": 11, "minute": 22}
